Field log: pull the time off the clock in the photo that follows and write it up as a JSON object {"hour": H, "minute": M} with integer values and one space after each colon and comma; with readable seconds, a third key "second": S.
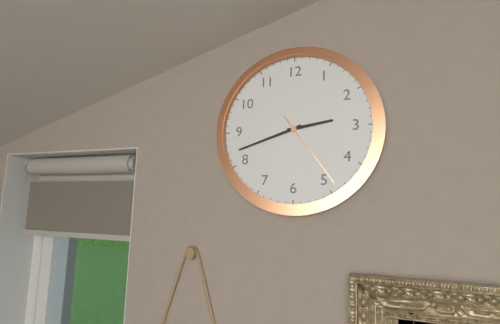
{"hour": 2, "minute": 42, "second": 24}
